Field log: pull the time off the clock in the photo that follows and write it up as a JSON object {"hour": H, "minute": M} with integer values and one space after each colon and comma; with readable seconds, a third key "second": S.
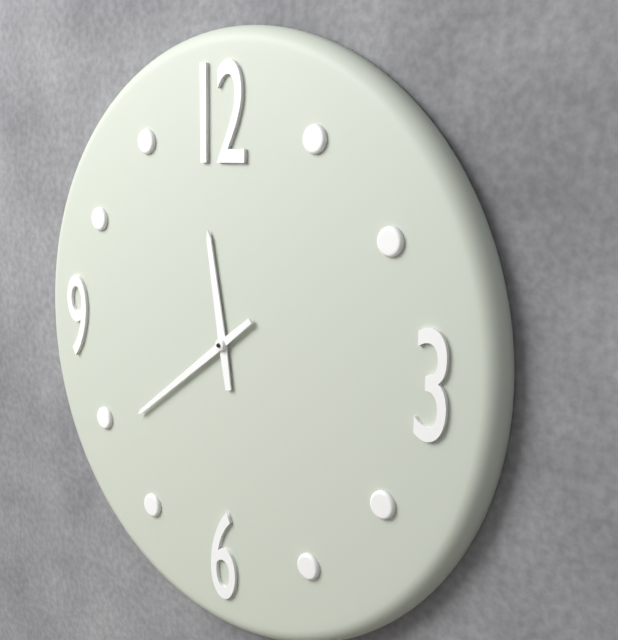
{"hour": 11, "minute": 39}
